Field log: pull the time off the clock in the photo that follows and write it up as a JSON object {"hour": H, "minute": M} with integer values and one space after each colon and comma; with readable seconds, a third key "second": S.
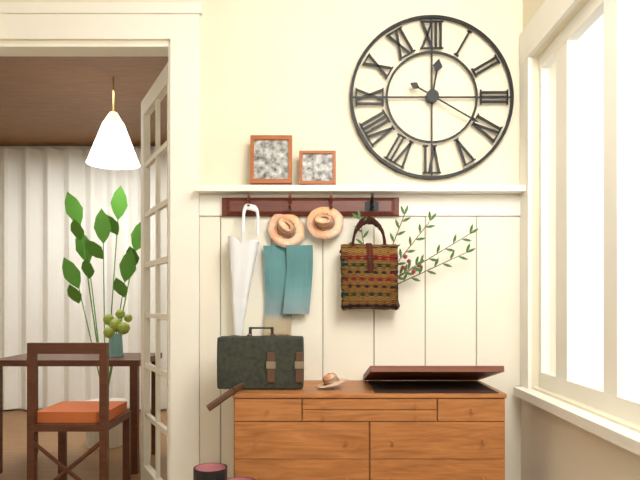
{"hour": 12, "minute": 20}
